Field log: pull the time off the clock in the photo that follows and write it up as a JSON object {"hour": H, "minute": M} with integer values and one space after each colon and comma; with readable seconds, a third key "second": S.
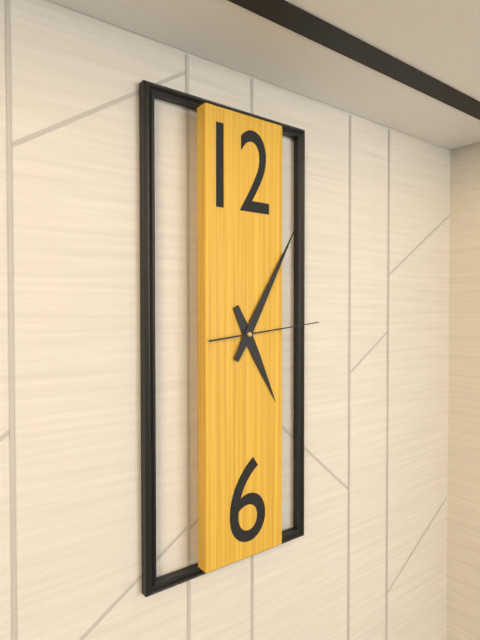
{"hour": 5, "minute": 5, "second": 14}
